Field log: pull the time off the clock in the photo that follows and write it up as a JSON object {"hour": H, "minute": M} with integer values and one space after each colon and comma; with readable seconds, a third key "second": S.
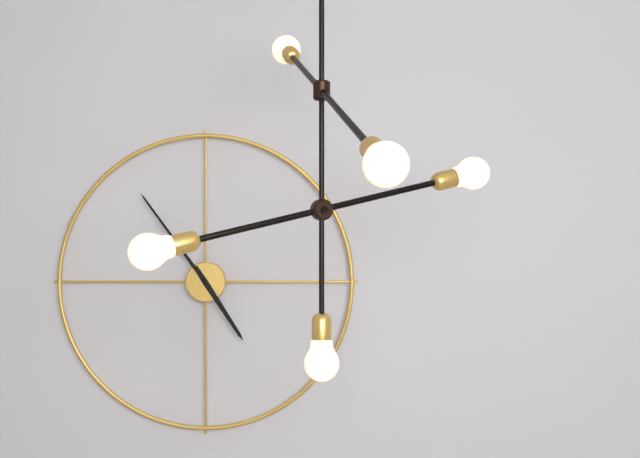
{"hour": 4, "minute": 54}
